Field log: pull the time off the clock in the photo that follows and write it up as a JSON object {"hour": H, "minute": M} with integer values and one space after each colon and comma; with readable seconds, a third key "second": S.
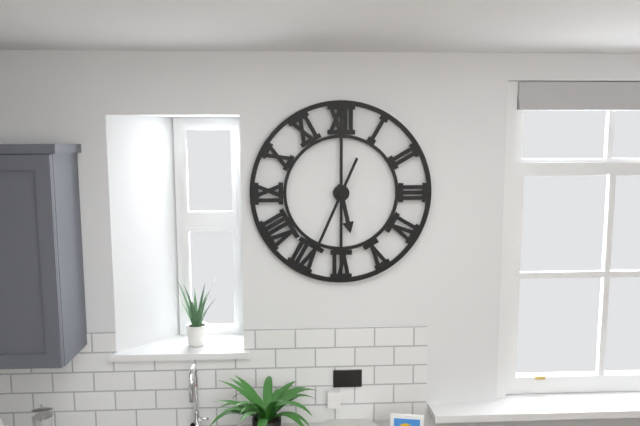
{"hour": 5, "minute": 34}
